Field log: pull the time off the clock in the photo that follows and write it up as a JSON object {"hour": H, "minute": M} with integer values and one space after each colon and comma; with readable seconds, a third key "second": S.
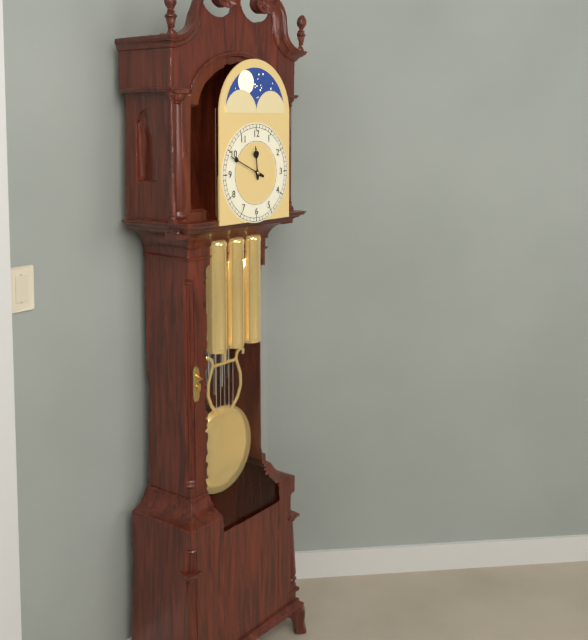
{"hour": 11, "minute": 49}
